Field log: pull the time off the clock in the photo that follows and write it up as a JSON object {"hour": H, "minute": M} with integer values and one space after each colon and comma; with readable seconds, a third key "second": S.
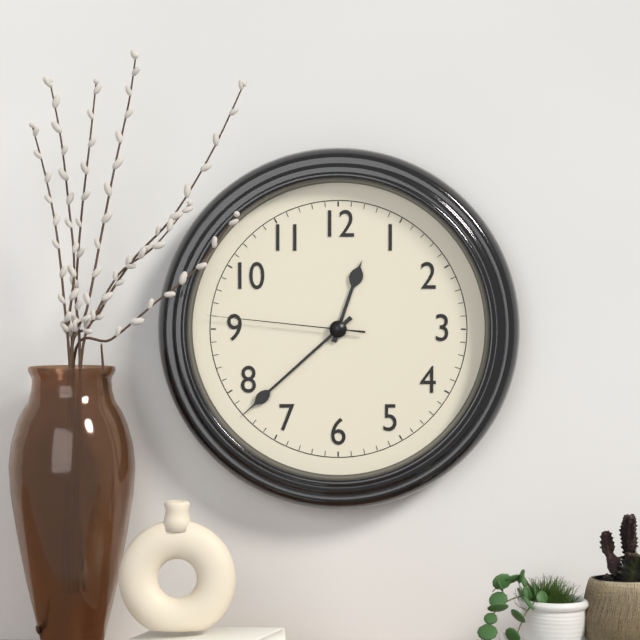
{"hour": 12, "minute": 38, "second": 46}
